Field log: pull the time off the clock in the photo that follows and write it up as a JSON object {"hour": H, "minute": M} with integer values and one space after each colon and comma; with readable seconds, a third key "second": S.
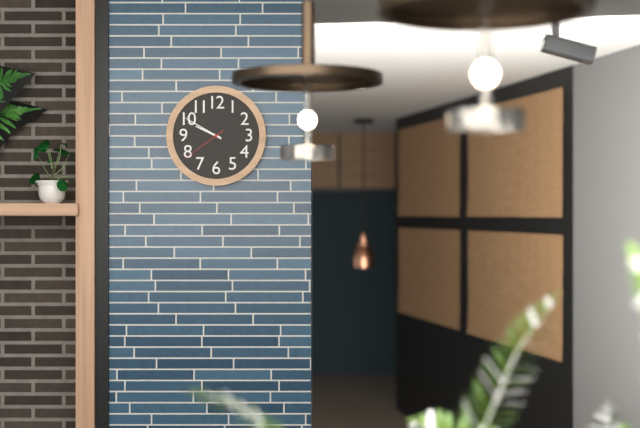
{"hour": 9, "minute": 50}
